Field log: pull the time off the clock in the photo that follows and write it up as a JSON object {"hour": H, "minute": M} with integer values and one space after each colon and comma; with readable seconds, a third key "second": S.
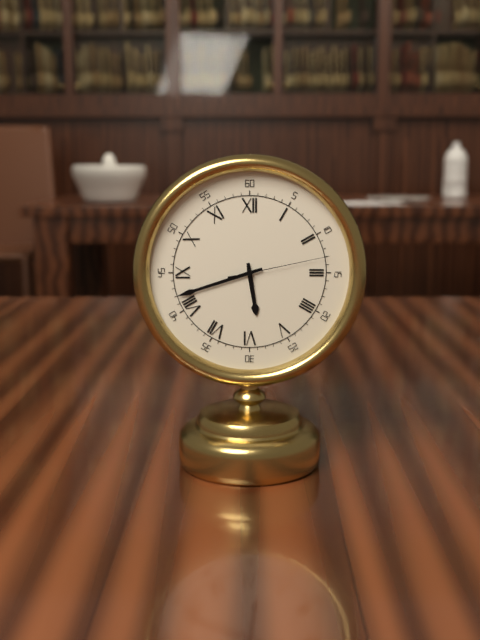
{"hour": 5, "minute": 42, "second": 13}
